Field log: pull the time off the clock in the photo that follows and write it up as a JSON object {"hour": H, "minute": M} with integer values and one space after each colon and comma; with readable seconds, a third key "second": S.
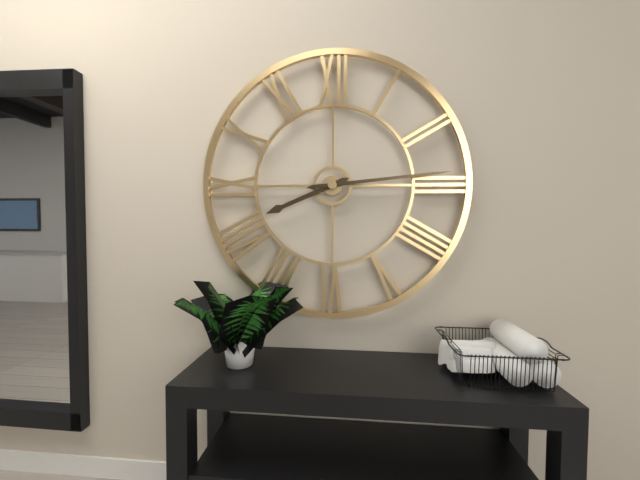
{"hour": 8, "minute": 14}
